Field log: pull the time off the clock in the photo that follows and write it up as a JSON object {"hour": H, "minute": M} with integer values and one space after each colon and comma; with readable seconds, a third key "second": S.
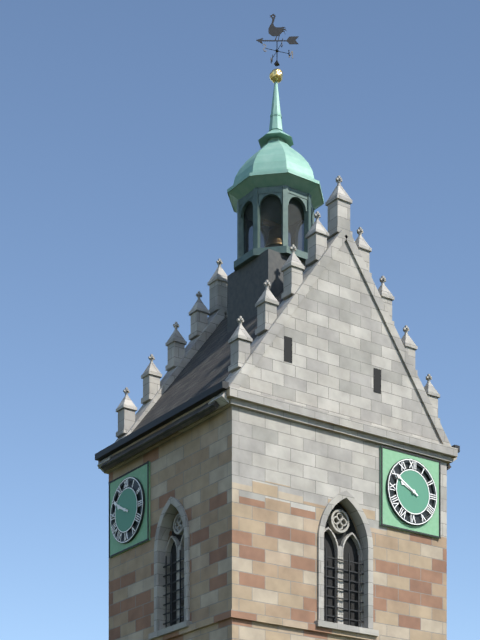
{"hour": 9, "minute": 50}
